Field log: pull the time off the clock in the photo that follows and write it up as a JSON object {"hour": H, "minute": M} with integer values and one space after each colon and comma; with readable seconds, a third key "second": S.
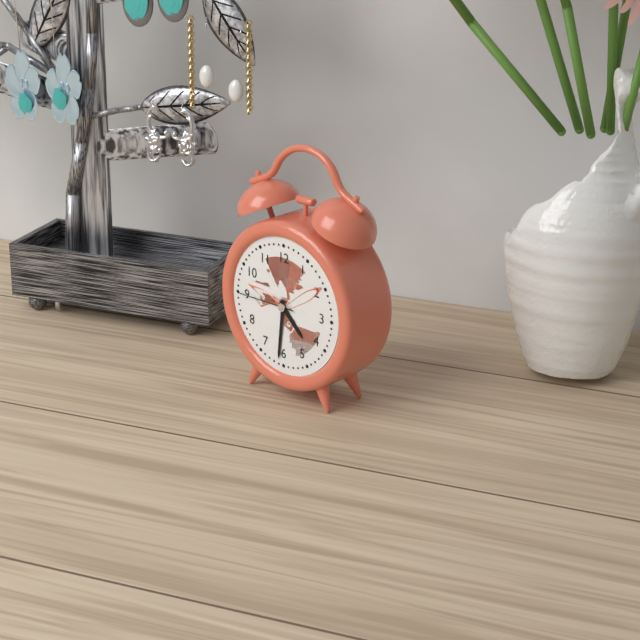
{"hour": 4, "minute": 31, "second": 45}
